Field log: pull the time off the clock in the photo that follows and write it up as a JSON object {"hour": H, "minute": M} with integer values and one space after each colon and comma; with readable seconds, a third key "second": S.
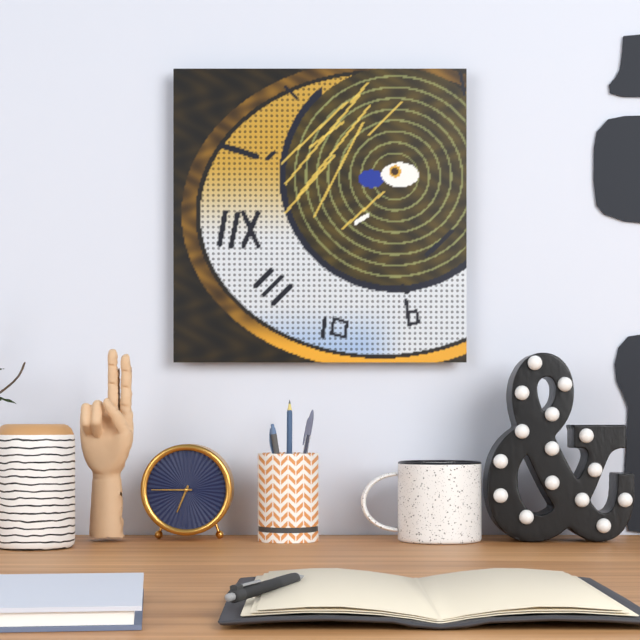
{"hour": 6, "minute": 45}
